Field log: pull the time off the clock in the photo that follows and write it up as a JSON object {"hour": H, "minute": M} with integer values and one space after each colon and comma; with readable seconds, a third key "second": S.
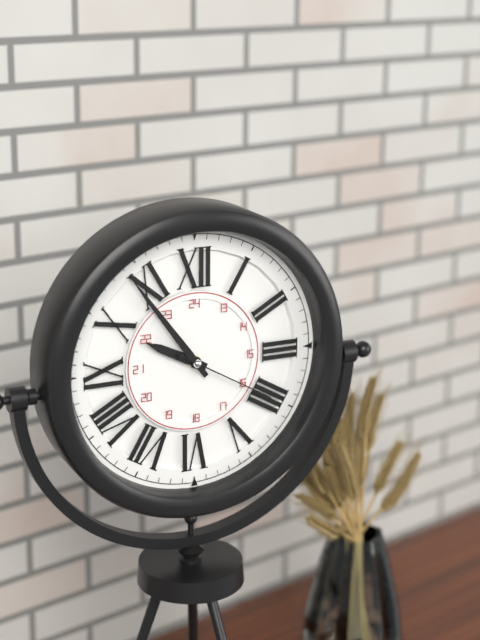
{"hour": 9, "minute": 54, "second": 20}
